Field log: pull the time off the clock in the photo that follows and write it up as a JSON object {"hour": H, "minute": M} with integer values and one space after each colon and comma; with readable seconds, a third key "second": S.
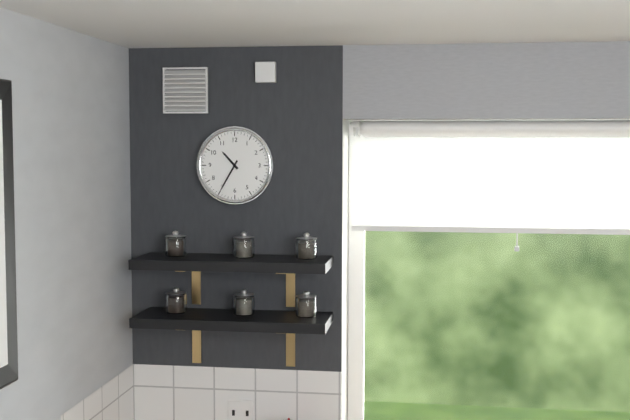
{"hour": 10, "minute": 35}
